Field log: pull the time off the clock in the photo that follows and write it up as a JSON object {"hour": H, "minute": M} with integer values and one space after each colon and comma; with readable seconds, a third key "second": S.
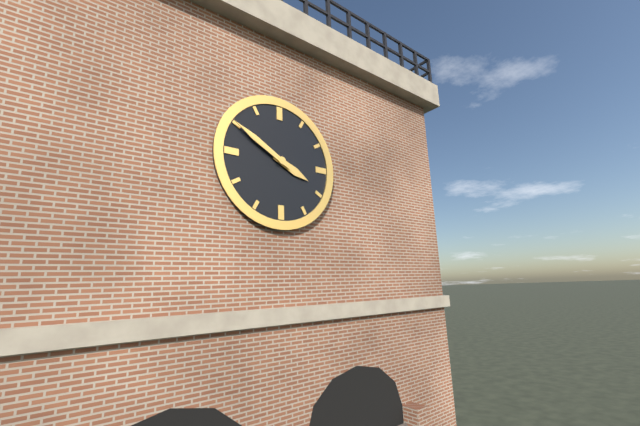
{"hour": 3, "minute": 50}
